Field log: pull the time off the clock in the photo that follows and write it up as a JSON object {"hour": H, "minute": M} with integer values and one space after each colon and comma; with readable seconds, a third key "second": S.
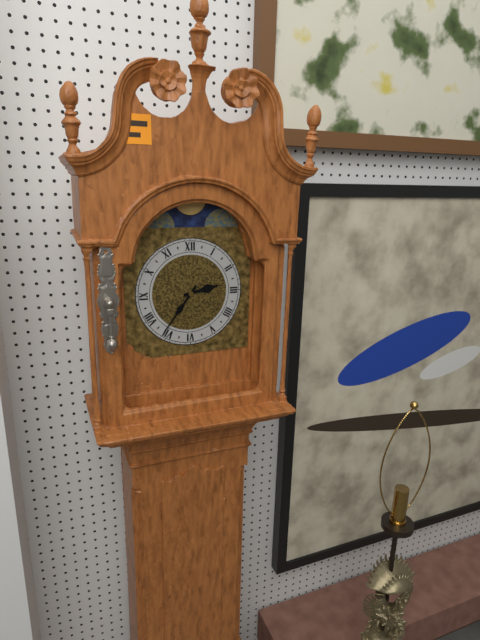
{"hour": 2, "minute": 36}
